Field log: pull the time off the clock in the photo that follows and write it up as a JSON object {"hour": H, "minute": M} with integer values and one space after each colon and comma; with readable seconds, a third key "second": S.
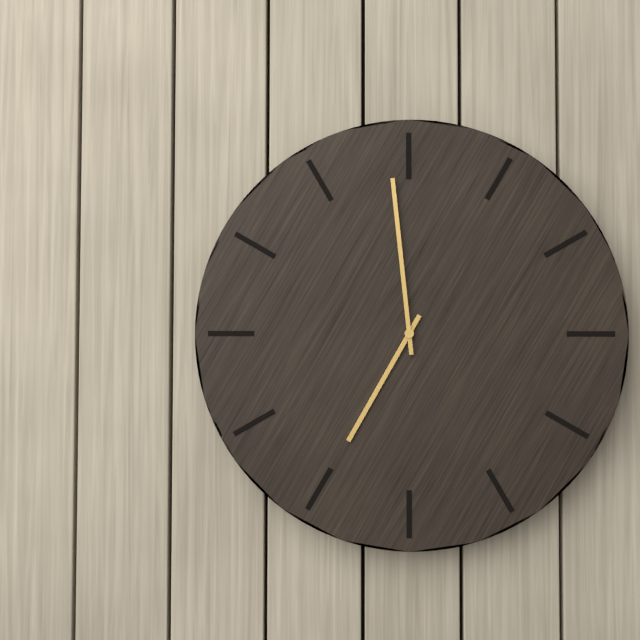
{"hour": 6, "minute": 59}
